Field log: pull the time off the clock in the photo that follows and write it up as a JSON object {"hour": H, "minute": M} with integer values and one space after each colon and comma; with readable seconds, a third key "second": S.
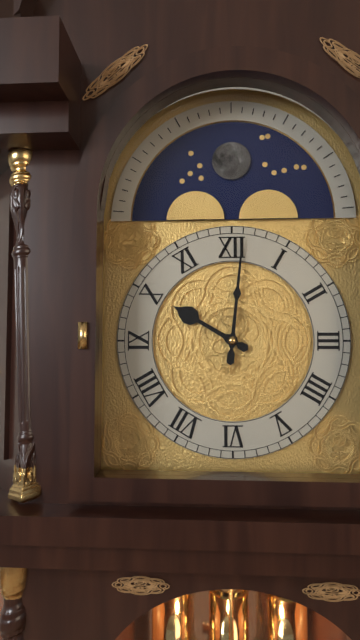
{"hour": 10, "minute": 1}
